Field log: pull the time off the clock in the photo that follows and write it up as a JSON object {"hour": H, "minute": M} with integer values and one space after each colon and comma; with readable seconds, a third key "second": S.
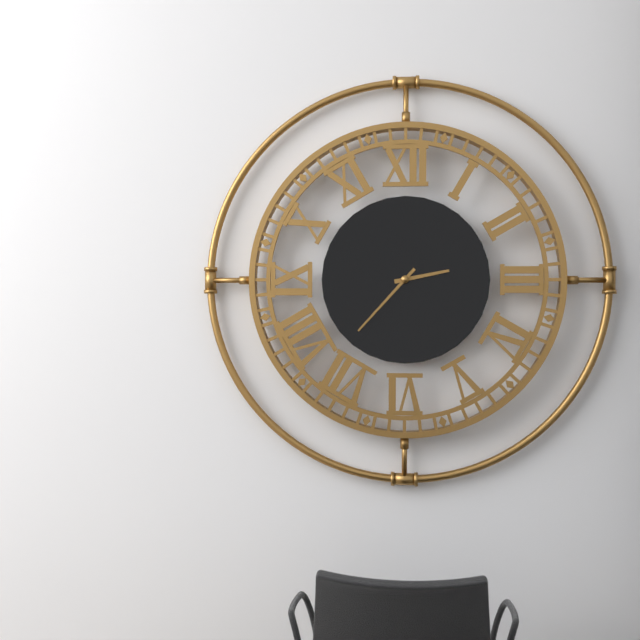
{"hour": 2, "minute": 37}
